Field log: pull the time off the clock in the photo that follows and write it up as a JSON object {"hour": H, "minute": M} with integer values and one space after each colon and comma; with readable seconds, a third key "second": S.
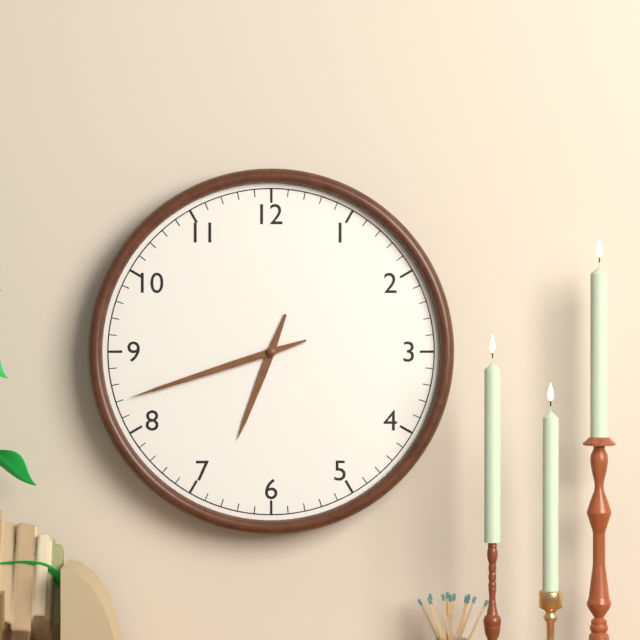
{"hour": 6, "minute": 42}
